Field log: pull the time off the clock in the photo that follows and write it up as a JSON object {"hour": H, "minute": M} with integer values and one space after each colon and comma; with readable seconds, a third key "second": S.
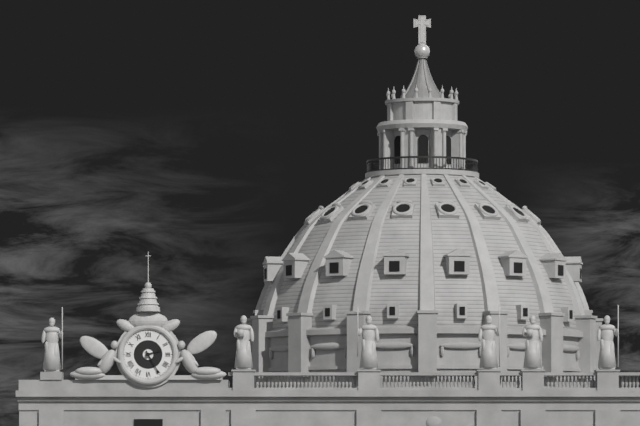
{"hour": 2, "minute": 25}
